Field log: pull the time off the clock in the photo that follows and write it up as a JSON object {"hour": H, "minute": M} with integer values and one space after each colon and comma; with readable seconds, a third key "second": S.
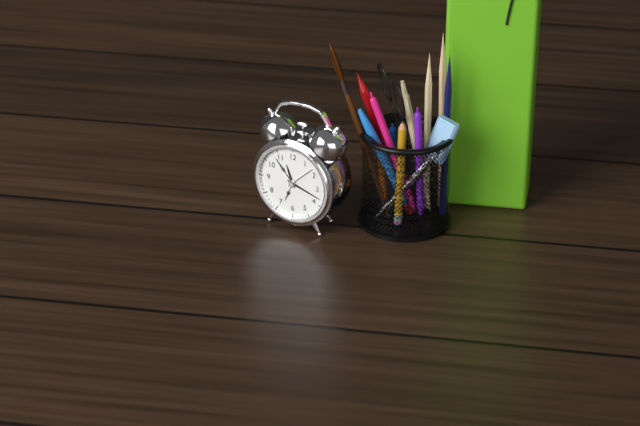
{"hour": 11, "minute": 18}
